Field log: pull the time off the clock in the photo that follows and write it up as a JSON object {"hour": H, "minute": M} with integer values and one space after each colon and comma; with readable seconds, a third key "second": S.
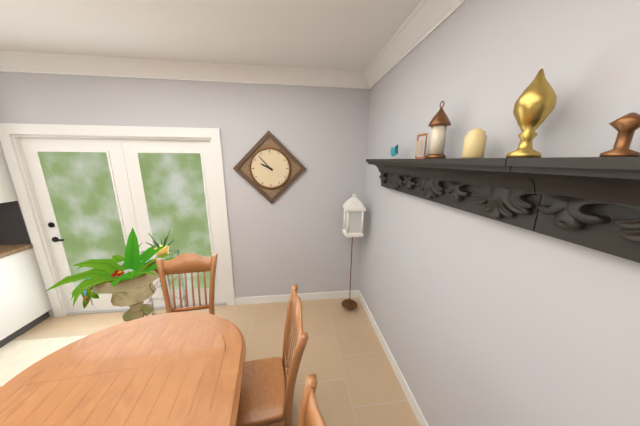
{"hour": 9, "minute": 53}
